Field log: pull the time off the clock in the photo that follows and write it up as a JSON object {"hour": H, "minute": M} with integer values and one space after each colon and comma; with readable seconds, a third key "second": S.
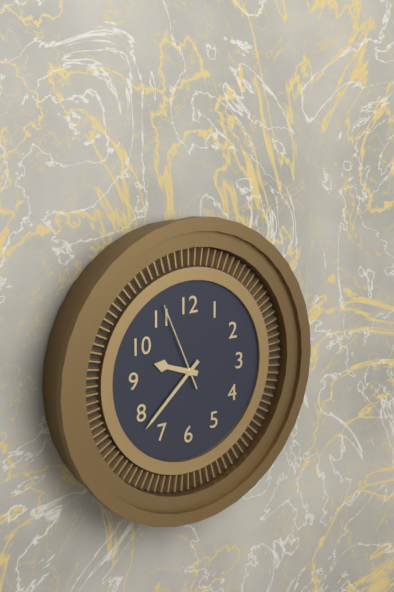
{"hour": 9, "minute": 38, "second": 56}
